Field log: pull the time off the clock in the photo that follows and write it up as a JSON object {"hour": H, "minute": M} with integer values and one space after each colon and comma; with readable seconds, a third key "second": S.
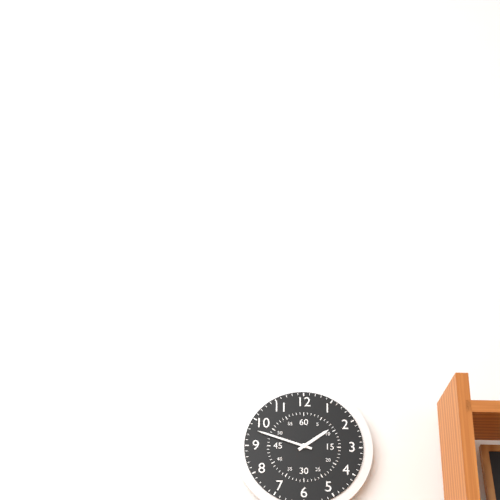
{"hour": 1, "minute": 48}
